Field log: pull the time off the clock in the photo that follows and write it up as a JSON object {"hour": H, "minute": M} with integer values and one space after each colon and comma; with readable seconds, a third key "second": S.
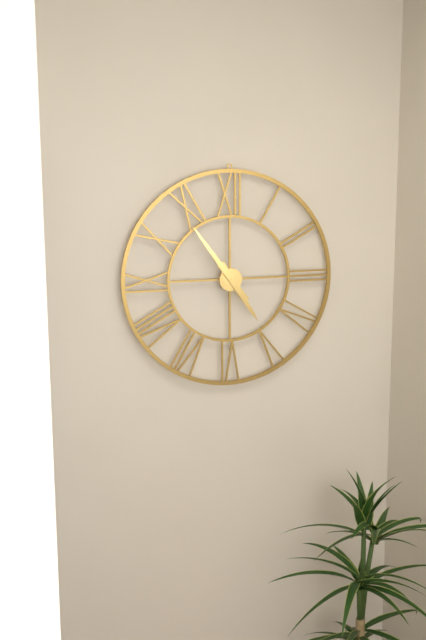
{"hour": 4, "minute": 54}
